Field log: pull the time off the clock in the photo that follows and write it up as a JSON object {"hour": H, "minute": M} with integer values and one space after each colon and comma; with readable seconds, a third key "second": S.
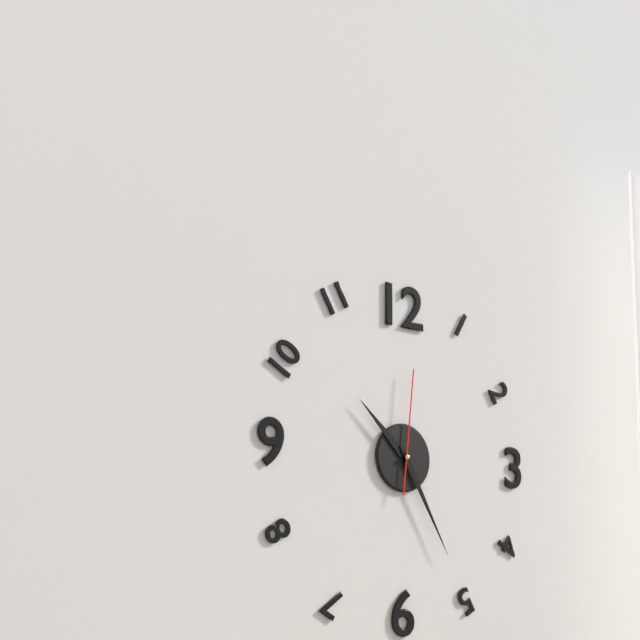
{"hour": 10, "minute": 25, "second": 1}
